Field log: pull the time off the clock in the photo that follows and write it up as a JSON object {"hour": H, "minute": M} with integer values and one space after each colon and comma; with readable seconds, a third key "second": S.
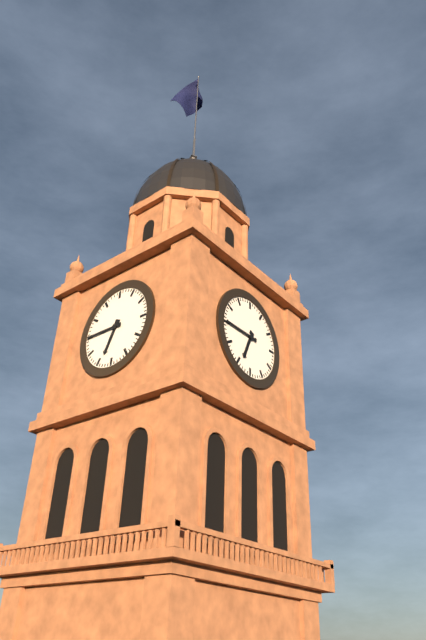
{"hour": 6, "minute": 45}
